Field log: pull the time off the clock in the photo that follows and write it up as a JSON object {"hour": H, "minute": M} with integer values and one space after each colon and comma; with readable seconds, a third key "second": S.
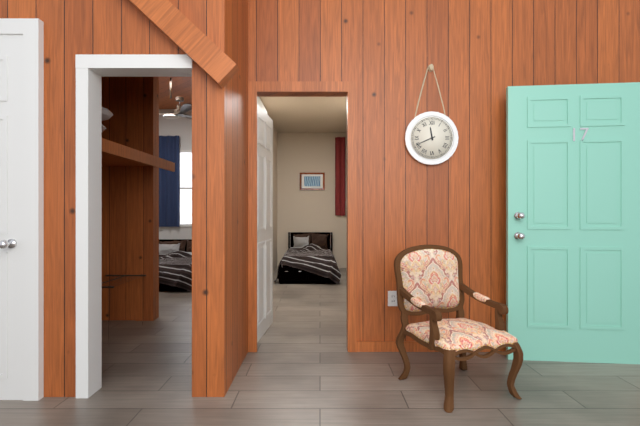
{"hour": 11, "minute": 41}
